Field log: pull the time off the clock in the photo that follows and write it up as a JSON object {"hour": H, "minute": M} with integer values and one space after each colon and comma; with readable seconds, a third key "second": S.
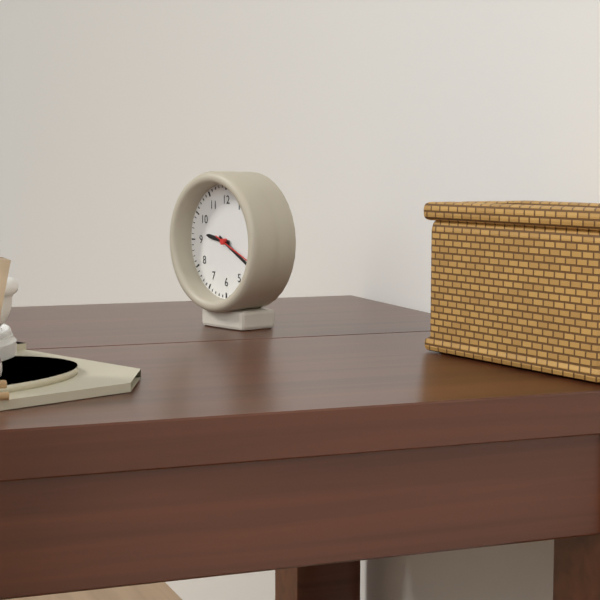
{"hour": 9, "minute": 20}
